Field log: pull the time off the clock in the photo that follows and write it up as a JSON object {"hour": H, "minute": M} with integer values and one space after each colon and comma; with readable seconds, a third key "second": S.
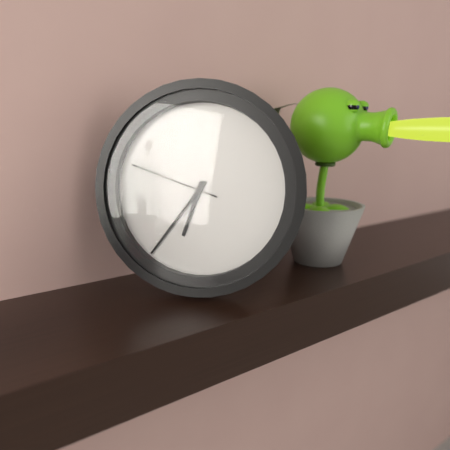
{"hour": 6, "minute": 36, "second": 48}
